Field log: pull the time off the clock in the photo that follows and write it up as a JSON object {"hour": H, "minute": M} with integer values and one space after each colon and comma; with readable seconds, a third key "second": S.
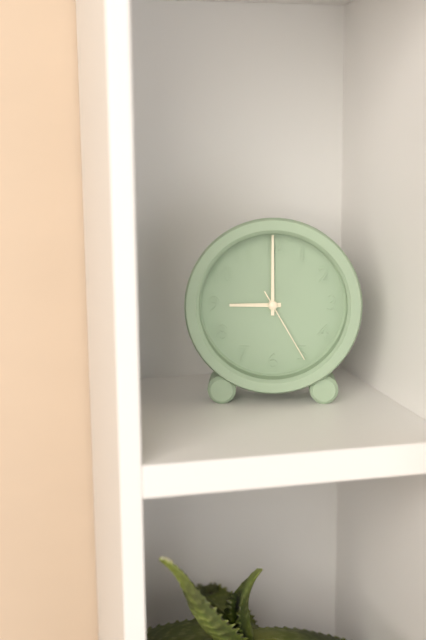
{"hour": 9, "minute": 0, "second": 25}
